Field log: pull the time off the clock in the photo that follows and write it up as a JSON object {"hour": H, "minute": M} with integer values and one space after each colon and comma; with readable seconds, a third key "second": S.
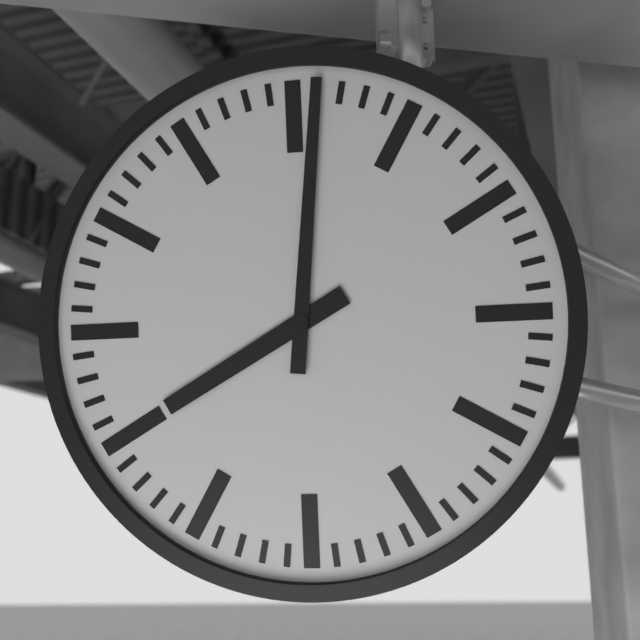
{"hour": 8, "minute": 1}
